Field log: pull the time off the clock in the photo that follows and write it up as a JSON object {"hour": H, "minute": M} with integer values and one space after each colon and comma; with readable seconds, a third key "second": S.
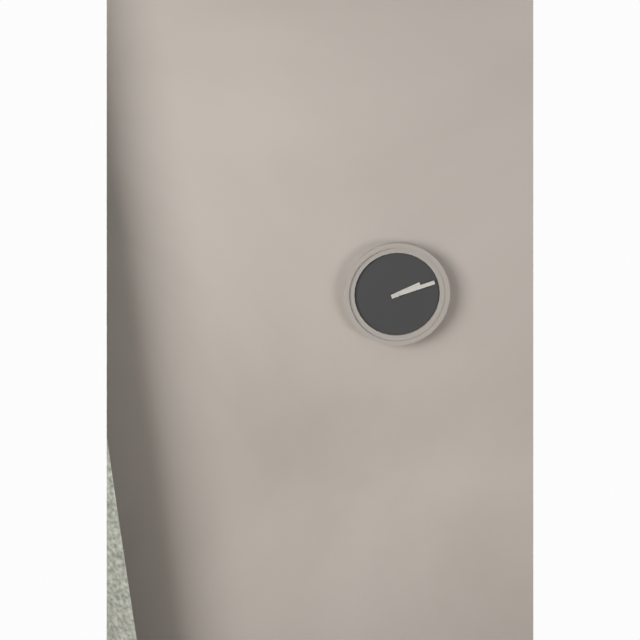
{"hour": 2, "minute": 12}
